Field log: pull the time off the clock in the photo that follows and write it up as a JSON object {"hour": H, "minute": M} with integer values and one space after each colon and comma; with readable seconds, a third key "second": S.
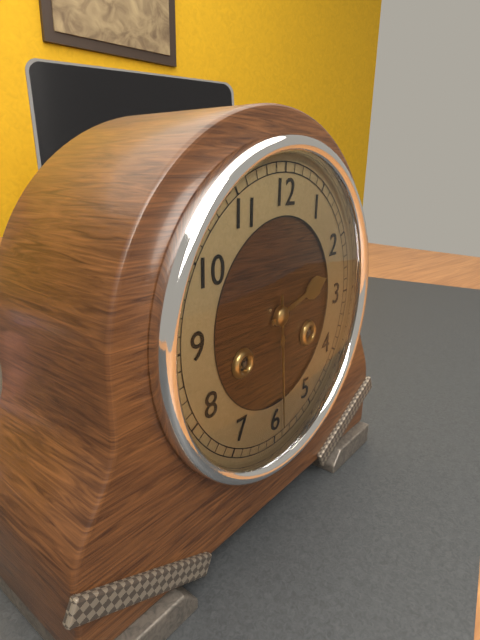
{"hour": 2, "minute": 29}
